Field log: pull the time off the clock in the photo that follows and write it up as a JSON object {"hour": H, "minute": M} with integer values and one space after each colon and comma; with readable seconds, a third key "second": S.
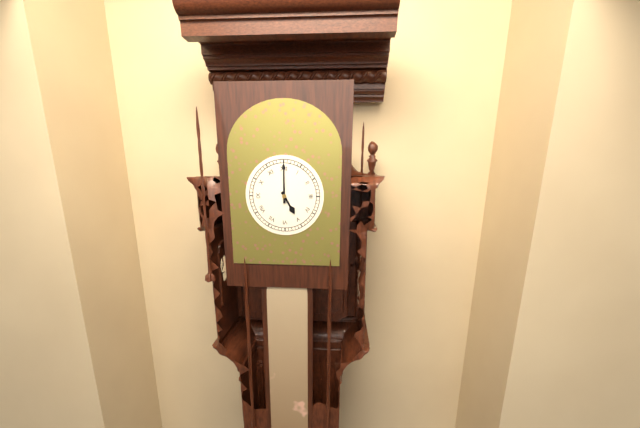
{"hour": 5, "minute": 0}
